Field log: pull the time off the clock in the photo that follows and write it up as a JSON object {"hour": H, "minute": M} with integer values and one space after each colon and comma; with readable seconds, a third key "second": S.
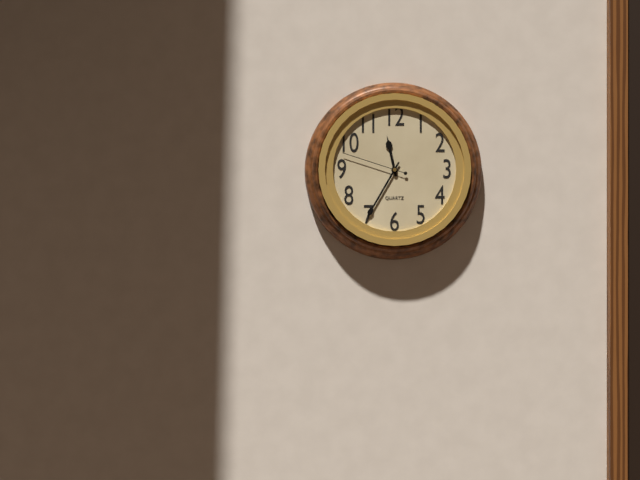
{"hour": 11, "minute": 35, "second": 48}
